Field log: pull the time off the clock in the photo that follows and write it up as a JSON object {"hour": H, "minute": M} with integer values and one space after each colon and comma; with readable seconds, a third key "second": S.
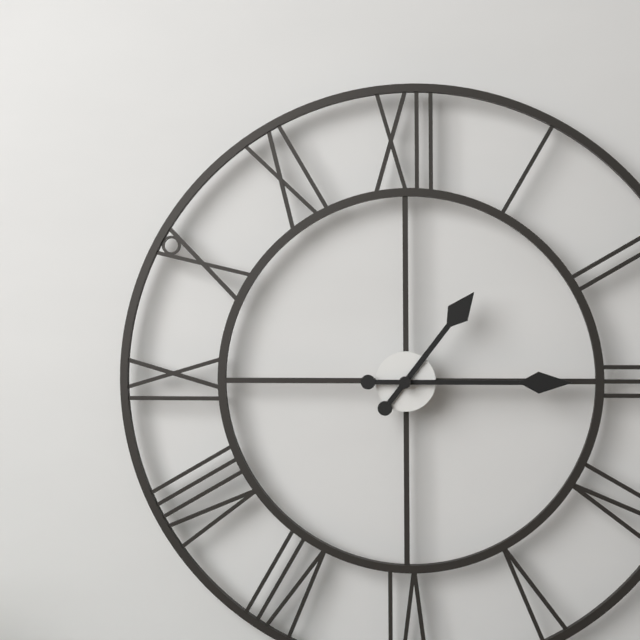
{"hour": 1, "minute": 15}
